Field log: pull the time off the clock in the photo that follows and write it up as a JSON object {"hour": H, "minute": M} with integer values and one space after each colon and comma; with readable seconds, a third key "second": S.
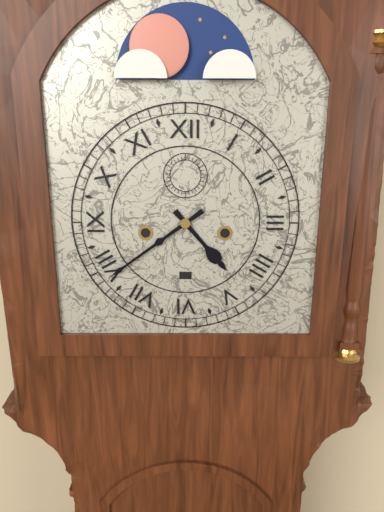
{"hour": 4, "minute": 39}
